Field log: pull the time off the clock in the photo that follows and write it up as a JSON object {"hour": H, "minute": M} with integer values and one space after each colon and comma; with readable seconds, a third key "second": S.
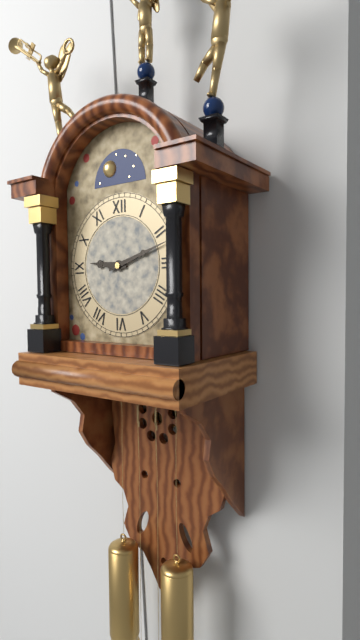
{"hour": 9, "minute": 12}
